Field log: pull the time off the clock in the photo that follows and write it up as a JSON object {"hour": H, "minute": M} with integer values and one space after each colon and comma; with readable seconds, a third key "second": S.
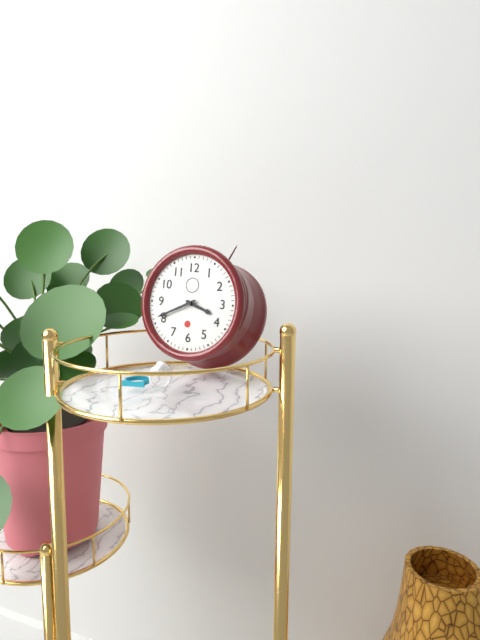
{"hour": 3, "minute": 41}
